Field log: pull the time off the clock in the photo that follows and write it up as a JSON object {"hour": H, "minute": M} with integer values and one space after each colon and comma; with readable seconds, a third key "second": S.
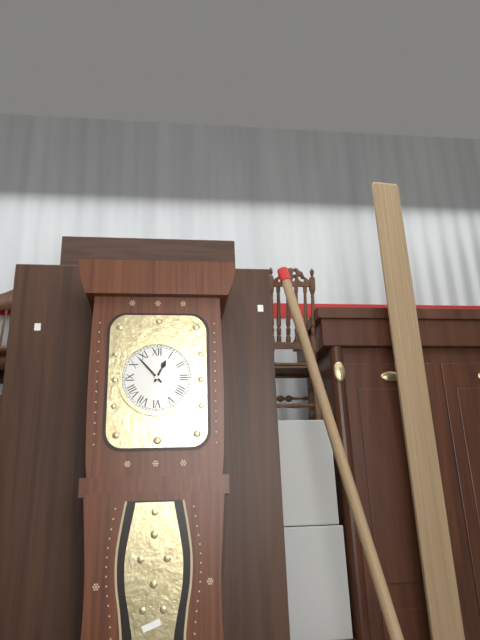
{"hour": 12, "minute": 53}
